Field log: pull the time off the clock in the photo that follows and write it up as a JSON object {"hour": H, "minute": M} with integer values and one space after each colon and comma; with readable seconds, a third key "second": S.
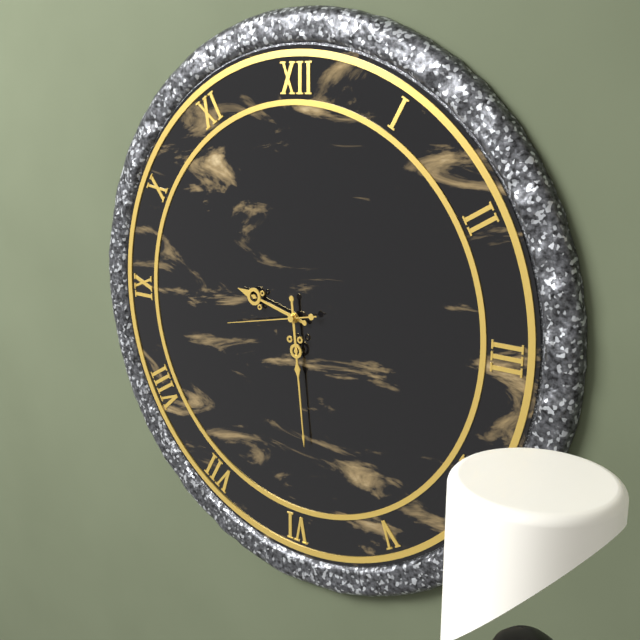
{"hour": 9, "minute": 29, "second": 43}
